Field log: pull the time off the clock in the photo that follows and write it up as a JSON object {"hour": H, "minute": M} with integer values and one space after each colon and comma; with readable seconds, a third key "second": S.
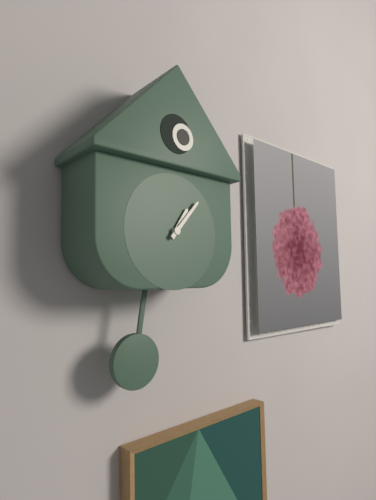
{"hour": 1, "minute": 7}
